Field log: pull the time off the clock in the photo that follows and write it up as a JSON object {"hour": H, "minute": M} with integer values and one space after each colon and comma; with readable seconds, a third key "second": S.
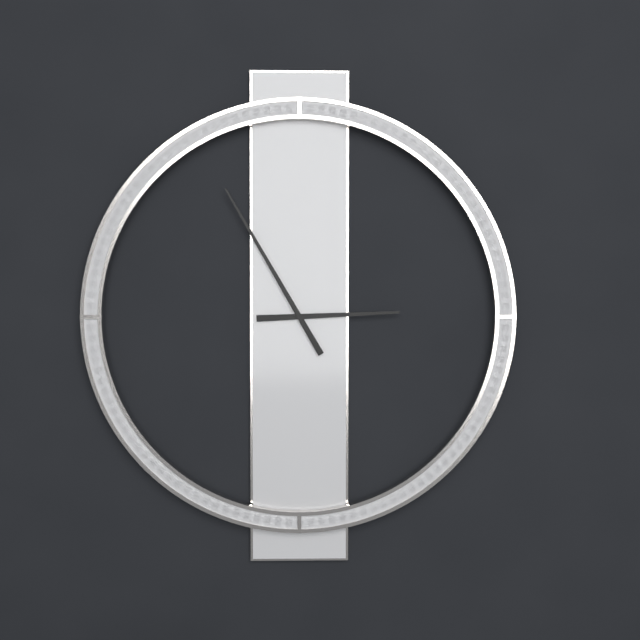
{"hour": 2, "minute": 55}
